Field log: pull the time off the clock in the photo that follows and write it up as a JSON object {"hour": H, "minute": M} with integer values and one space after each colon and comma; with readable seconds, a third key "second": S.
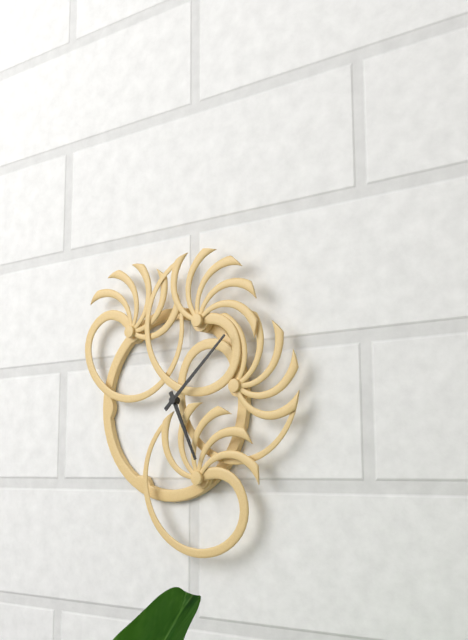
{"hour": 5, "minute": 8}
